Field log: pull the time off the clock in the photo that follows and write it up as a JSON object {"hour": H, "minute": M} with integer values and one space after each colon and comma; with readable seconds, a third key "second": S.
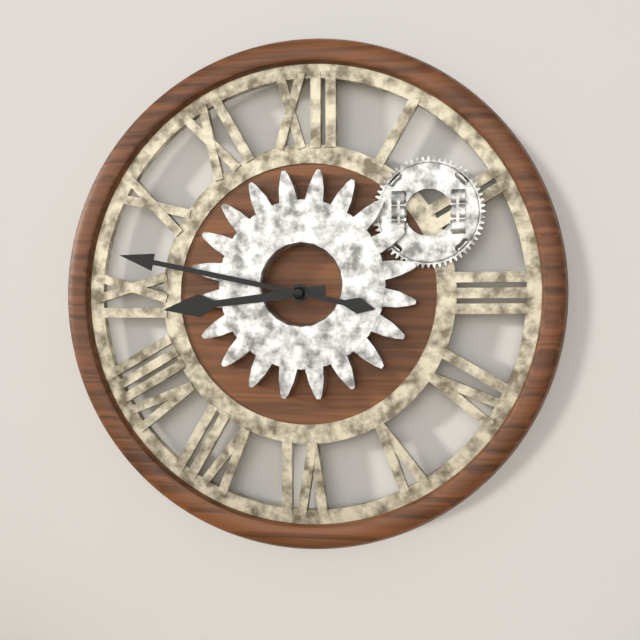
{"hour": 8, "minute": 47}
